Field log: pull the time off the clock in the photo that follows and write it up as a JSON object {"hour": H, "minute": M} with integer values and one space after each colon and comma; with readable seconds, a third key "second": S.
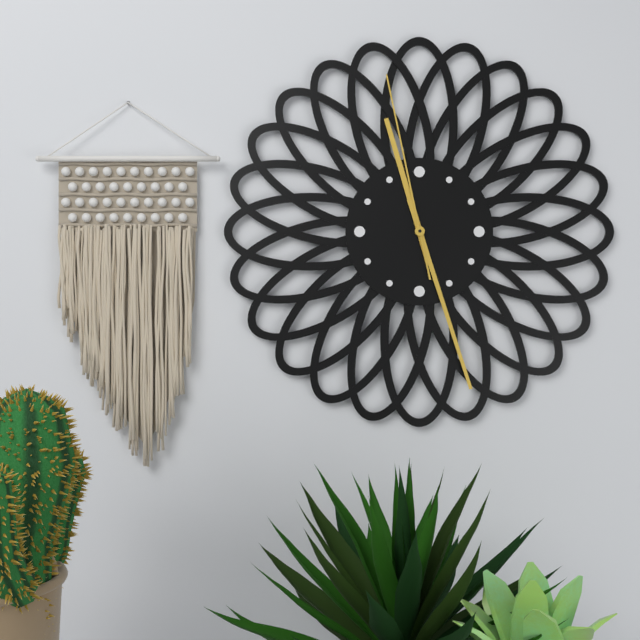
{"hour": 11, "minute": 27, "second": 58}
